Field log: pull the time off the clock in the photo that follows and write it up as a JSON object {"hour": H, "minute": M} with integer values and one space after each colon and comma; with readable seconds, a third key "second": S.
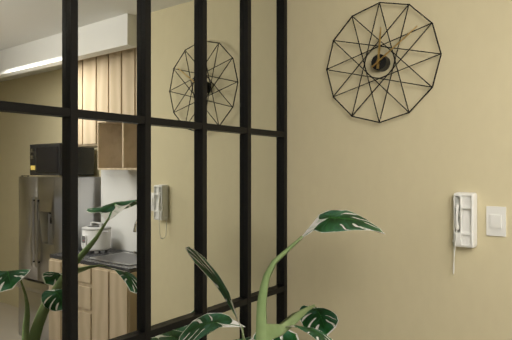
{"hour": 12, "minute": 9}
